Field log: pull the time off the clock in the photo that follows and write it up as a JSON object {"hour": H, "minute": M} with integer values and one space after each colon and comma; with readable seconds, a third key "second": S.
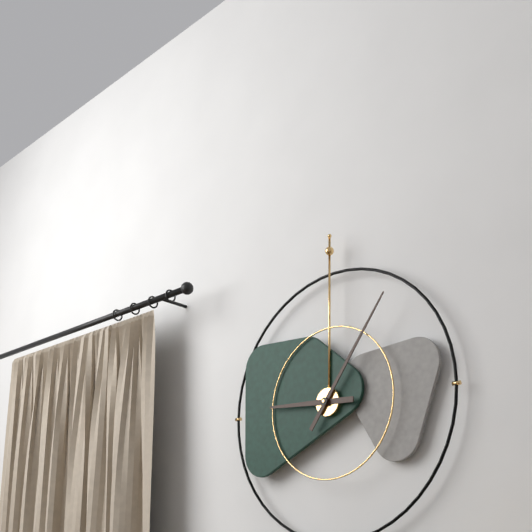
{"hour": 9, "minute": 6}
